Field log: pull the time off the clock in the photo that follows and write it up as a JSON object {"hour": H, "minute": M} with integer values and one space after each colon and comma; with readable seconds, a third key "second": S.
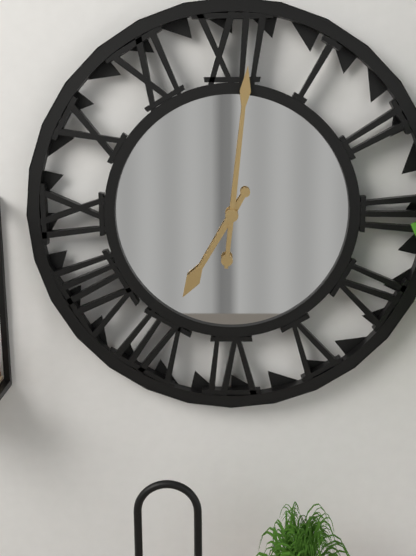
{"hour": 7, "minute": 1}
